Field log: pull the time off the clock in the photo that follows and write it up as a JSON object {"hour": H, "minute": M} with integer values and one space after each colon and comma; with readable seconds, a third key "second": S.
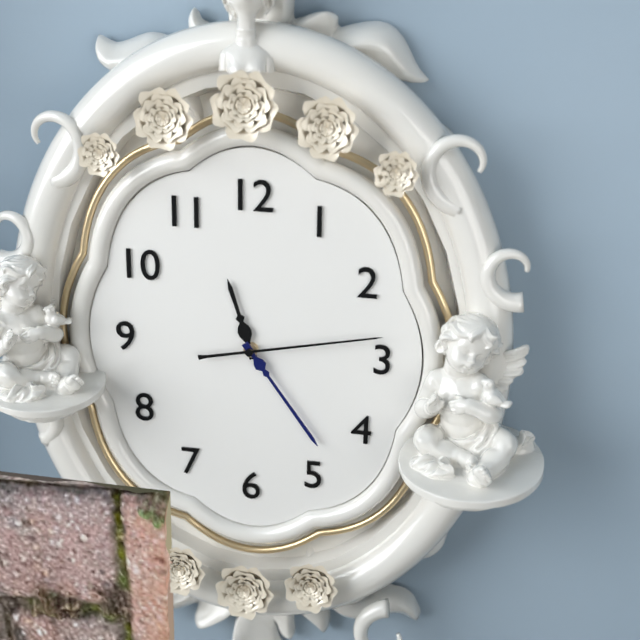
{"hour": 11, "minute": 24, "second": 13}
